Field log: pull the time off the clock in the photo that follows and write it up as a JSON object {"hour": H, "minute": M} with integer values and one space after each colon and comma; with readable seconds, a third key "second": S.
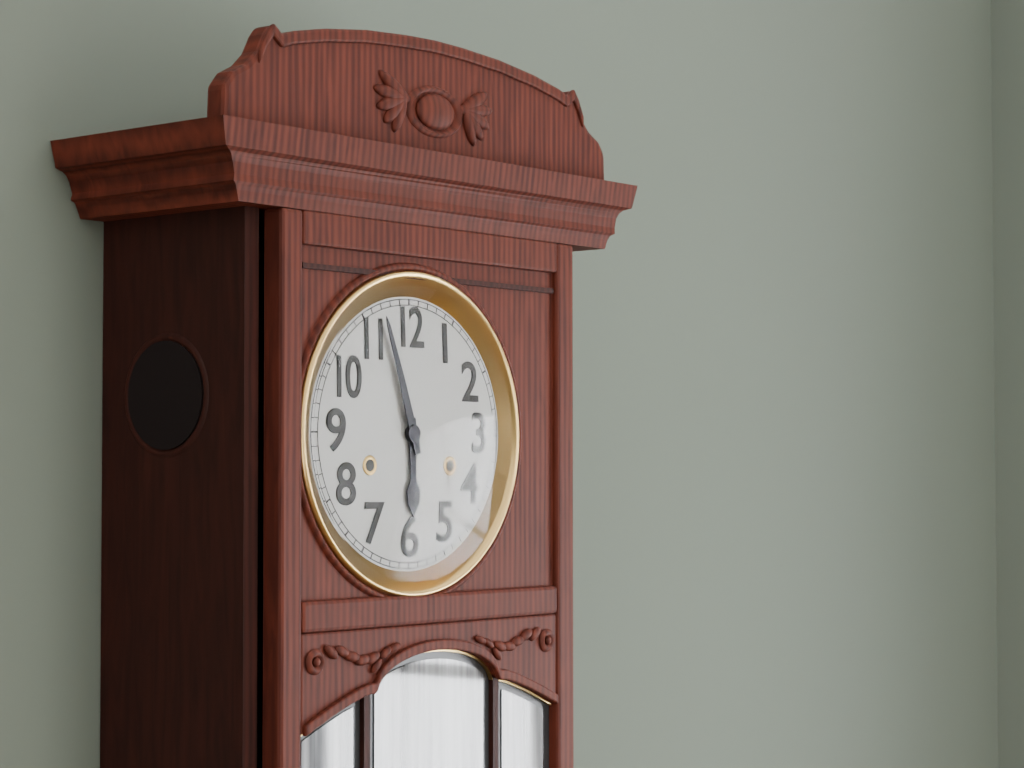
{"hour": 5, "minute": 57}
